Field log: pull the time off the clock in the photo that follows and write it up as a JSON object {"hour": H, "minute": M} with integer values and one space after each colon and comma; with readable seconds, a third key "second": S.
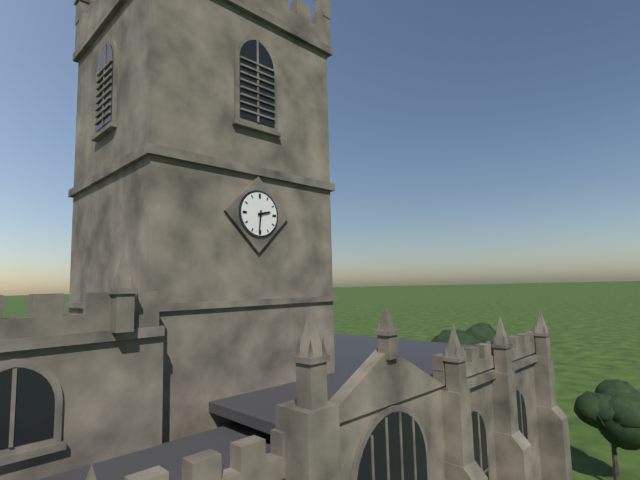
{"hour": 2, "minute": 31}
